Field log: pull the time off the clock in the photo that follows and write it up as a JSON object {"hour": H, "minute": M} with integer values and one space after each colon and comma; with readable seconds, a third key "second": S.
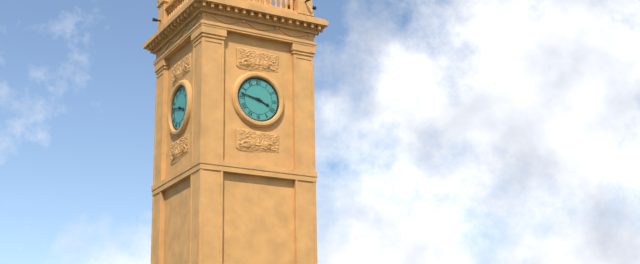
{"hour": 3, "minute": 47}
